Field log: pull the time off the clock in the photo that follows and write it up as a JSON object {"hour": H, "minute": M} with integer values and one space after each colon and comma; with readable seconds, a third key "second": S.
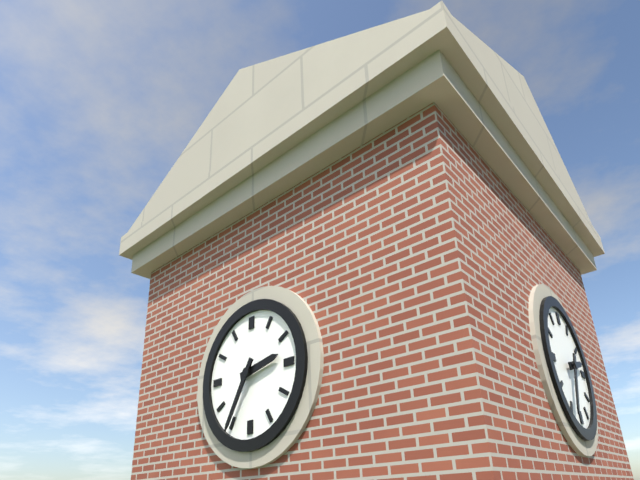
{"hour": 2, "minute": 35}
